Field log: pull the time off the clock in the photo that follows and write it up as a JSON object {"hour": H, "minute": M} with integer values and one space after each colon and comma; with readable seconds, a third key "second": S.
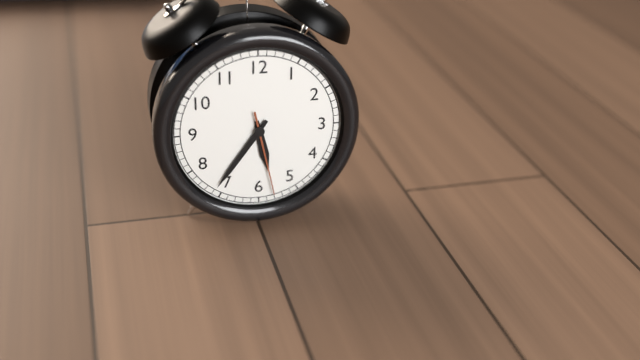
{"hour": 5, "minute": 36, "second": 28}
